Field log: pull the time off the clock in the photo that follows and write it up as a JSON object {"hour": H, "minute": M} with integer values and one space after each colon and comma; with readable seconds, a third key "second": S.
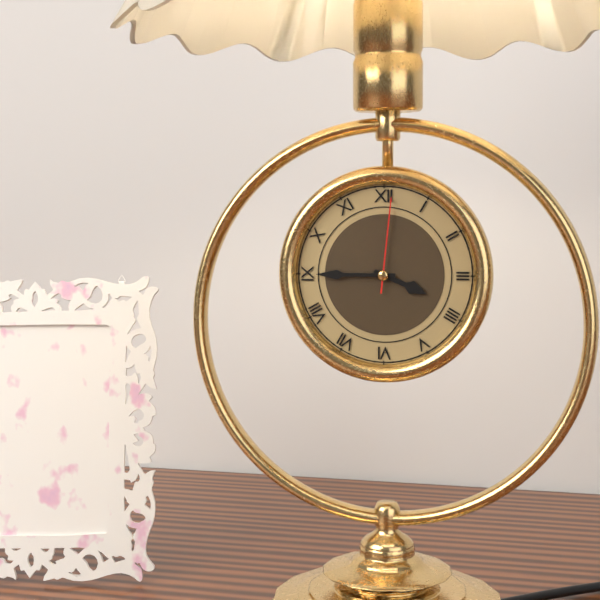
{"hour": 3, "minute": 45, "second": 1}
